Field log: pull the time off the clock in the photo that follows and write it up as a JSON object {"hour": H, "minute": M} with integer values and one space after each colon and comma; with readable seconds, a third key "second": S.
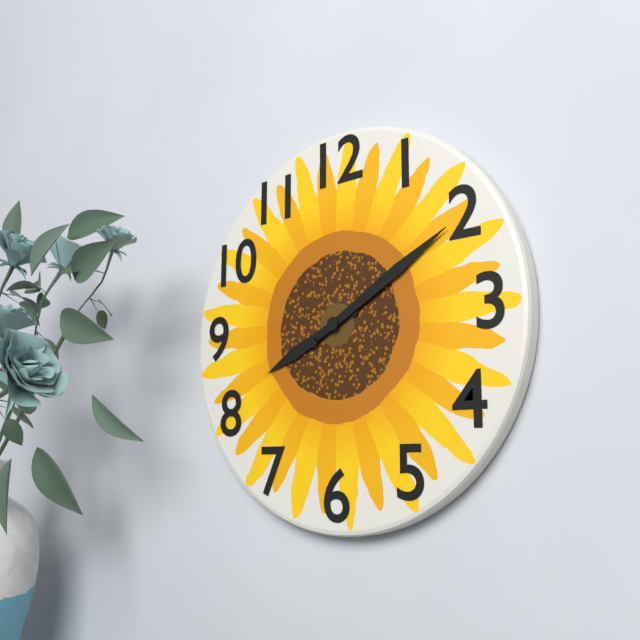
{"hour": 8, "minute": 10}
